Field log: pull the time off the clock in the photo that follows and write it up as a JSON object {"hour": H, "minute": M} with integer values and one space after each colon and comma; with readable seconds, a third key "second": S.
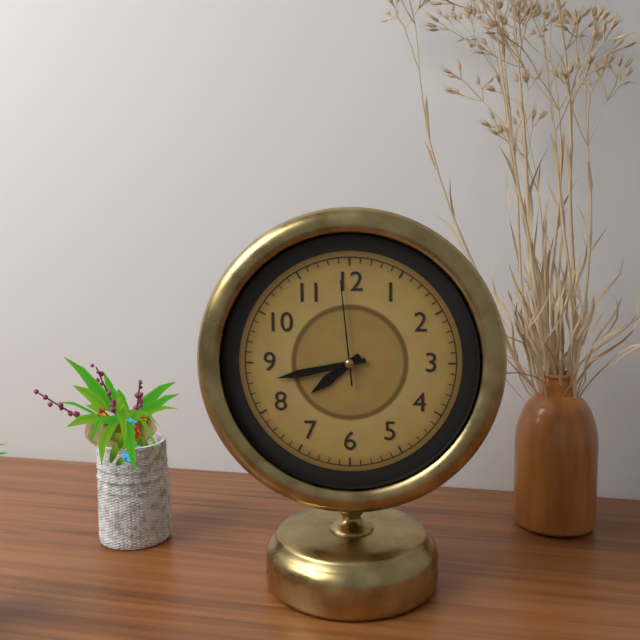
{"hour": 7, "minute": 43, "second": 59}
